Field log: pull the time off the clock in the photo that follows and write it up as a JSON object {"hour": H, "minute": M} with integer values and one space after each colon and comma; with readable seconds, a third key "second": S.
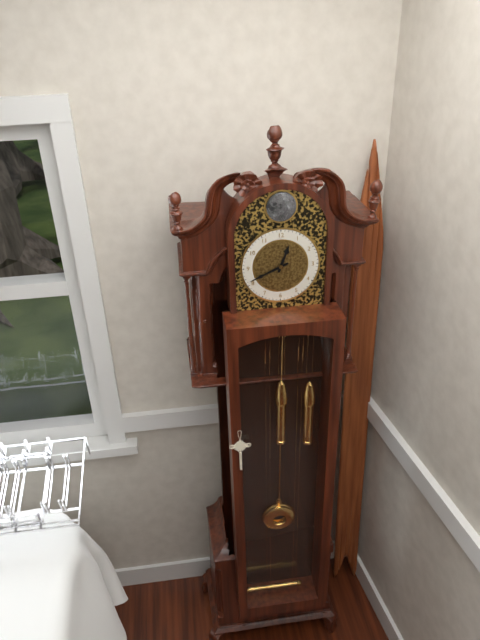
{"hour": 12, "minute": 41}
